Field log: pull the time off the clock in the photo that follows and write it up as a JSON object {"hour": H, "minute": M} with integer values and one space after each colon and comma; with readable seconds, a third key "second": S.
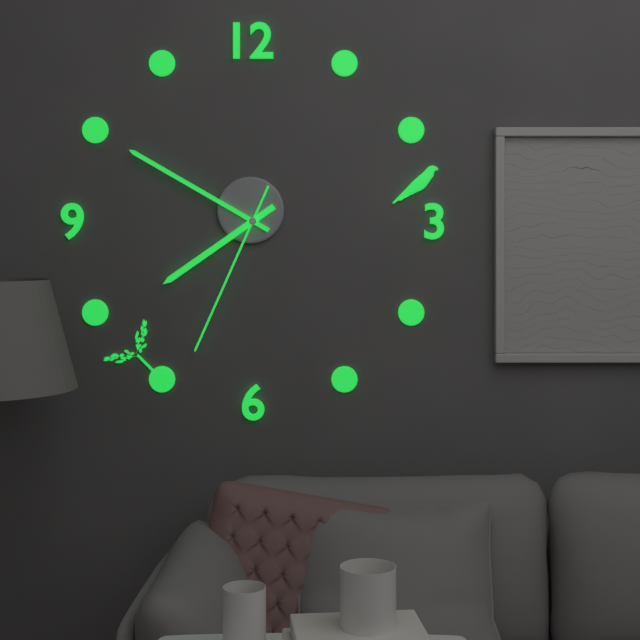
{"hour": 7, "minute": 50, "second": 34}
